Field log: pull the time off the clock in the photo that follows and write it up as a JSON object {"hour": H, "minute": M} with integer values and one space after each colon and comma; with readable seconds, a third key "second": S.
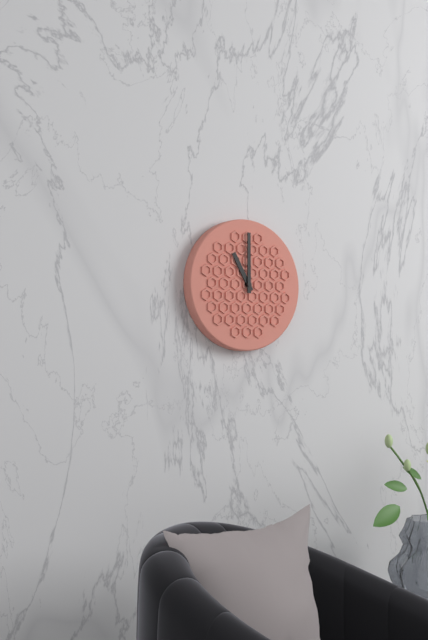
{"hour": 11, "minute": 0}
